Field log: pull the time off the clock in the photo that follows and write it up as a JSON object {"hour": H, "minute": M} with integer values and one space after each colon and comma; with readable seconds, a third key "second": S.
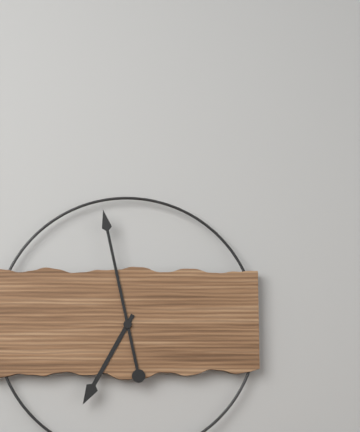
{"hour": 6, "minute": 58}
